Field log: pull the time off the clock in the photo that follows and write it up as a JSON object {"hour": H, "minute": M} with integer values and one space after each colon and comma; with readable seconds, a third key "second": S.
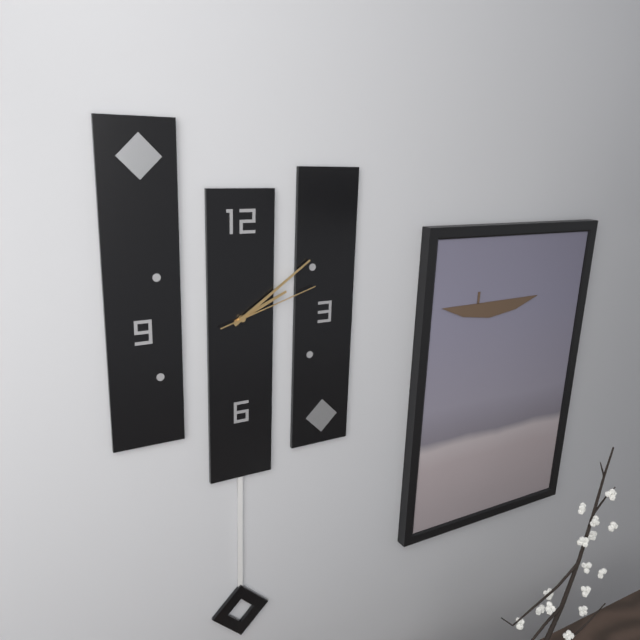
{"hour": 2, "minute": 9, "second": 12}
